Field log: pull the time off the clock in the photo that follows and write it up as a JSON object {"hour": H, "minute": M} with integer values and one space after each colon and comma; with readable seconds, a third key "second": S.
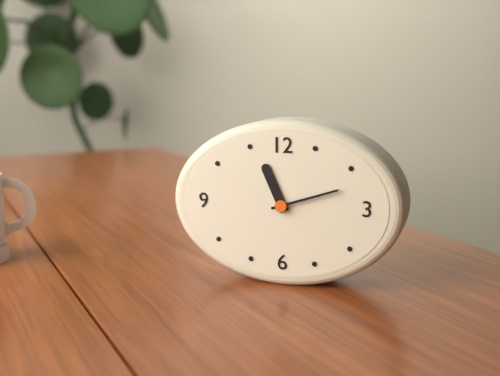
{"hour": 11, "minute": 12}
